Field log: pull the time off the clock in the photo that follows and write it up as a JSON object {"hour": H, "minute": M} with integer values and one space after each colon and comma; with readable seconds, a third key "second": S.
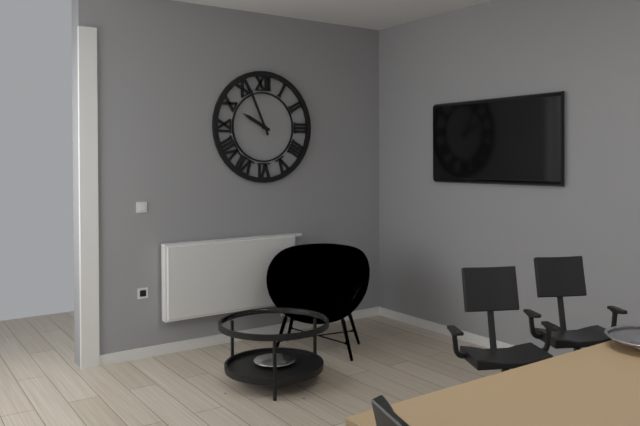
{"hour": 9, "minute": 56}
